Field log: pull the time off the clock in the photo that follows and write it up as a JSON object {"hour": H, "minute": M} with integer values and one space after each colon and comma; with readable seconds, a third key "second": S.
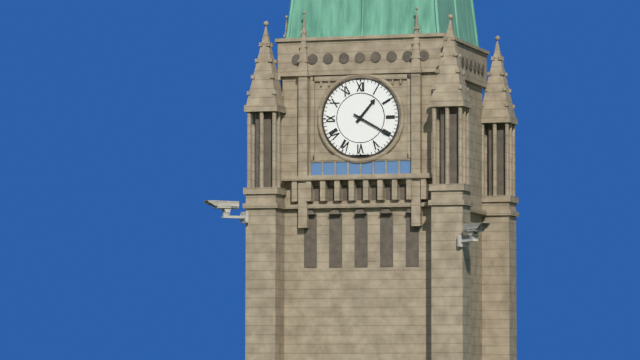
{"hour": 1, "minute": 20}
